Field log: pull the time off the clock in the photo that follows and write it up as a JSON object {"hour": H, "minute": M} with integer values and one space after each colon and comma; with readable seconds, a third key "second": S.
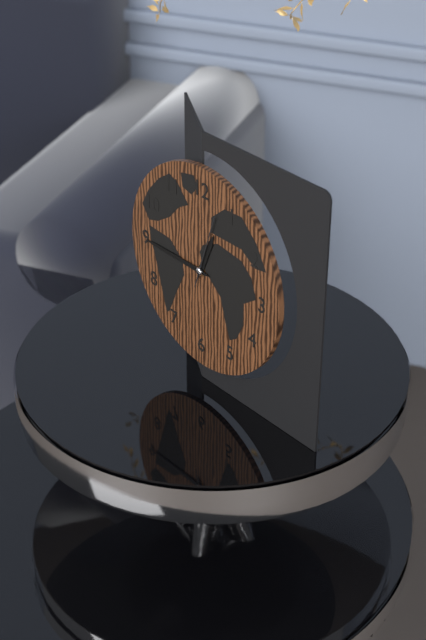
{"hour": 12, "minute": 45, "second": 3}
